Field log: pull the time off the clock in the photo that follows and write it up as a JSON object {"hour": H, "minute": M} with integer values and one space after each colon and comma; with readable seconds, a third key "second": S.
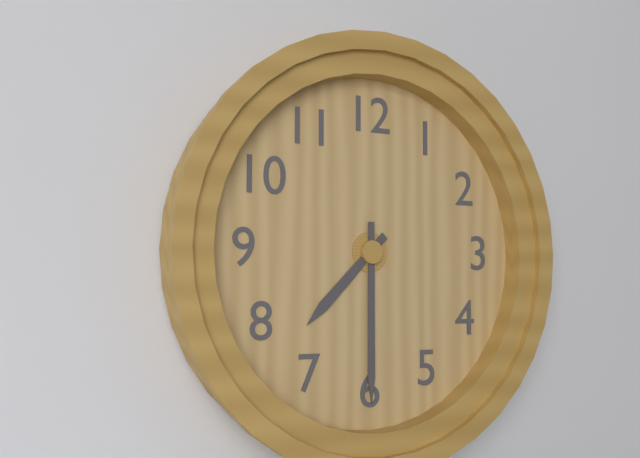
{"hour": 7, "minute": 30}
